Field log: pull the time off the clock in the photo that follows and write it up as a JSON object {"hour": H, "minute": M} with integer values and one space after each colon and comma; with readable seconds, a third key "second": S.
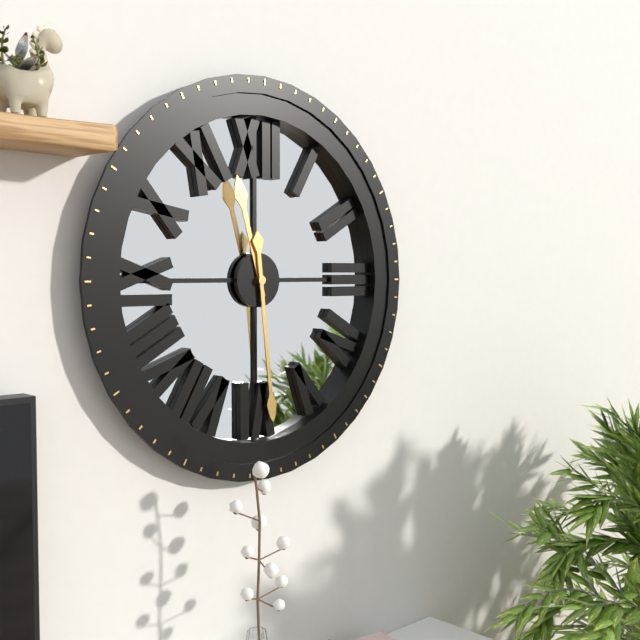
{"hour": 11, "minute": 29}
